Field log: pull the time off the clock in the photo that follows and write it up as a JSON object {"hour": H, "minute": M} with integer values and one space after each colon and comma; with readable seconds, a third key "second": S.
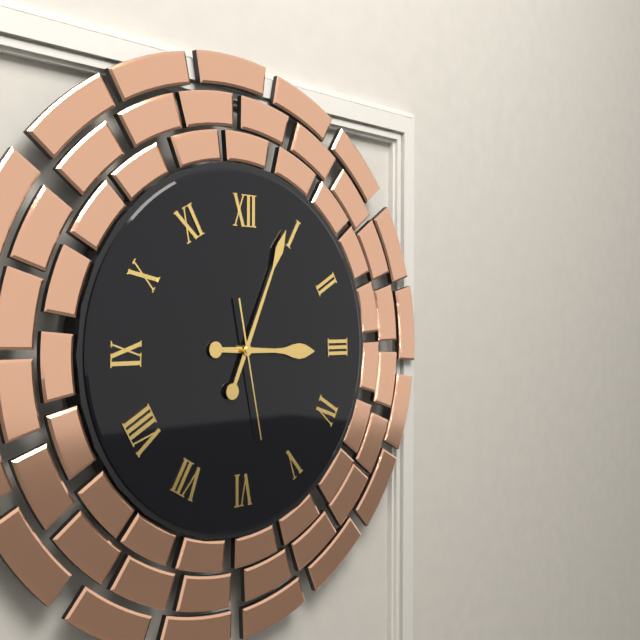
{"hour": 3, "minute": 4, "second": 28}
